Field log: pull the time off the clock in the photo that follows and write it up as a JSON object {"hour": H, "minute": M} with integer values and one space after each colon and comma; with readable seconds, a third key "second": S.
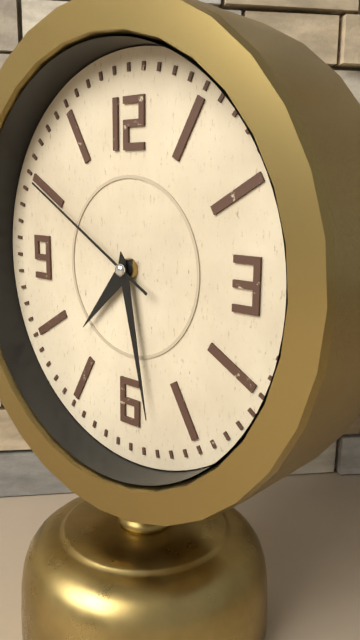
{"hour": 7, "minute": 28, "second": 50}
